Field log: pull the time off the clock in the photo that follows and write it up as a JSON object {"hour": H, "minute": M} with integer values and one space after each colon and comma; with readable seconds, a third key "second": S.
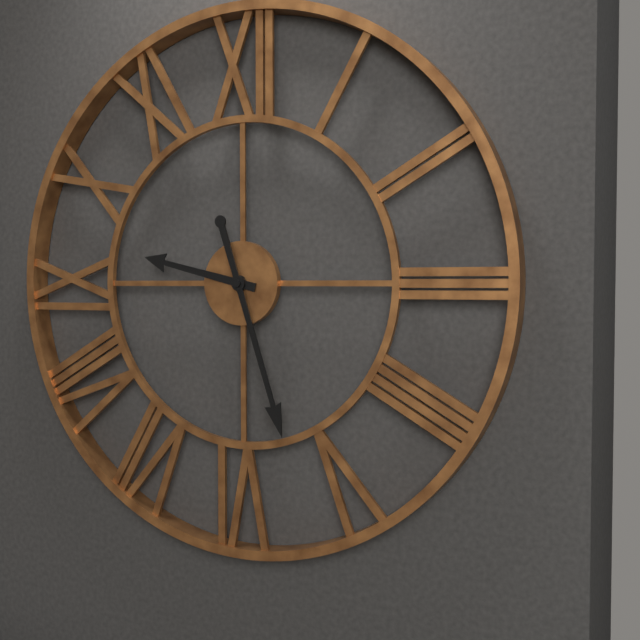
{"hour": 9, "minute": 27}
